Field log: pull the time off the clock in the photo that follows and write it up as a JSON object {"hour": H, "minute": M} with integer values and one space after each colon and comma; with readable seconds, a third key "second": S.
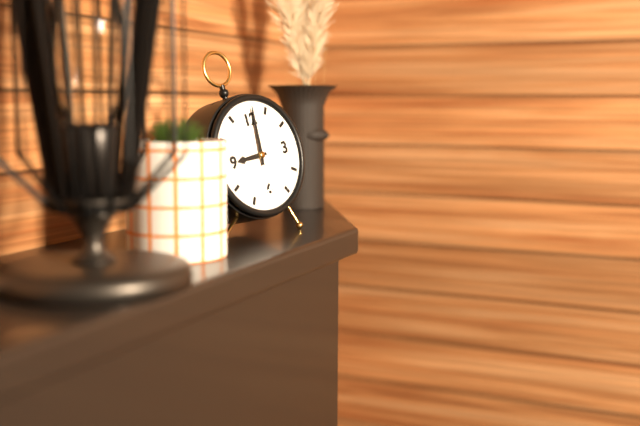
{"hour": 9, "minute": 1}
